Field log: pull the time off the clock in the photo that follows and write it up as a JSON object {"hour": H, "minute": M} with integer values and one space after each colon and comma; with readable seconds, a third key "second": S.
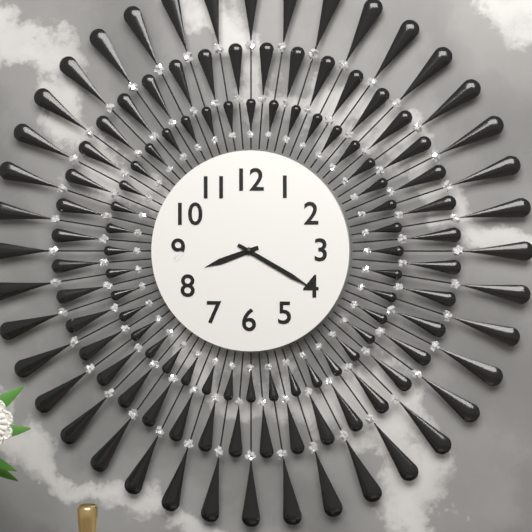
{"hour": 8, "minute": 20}
